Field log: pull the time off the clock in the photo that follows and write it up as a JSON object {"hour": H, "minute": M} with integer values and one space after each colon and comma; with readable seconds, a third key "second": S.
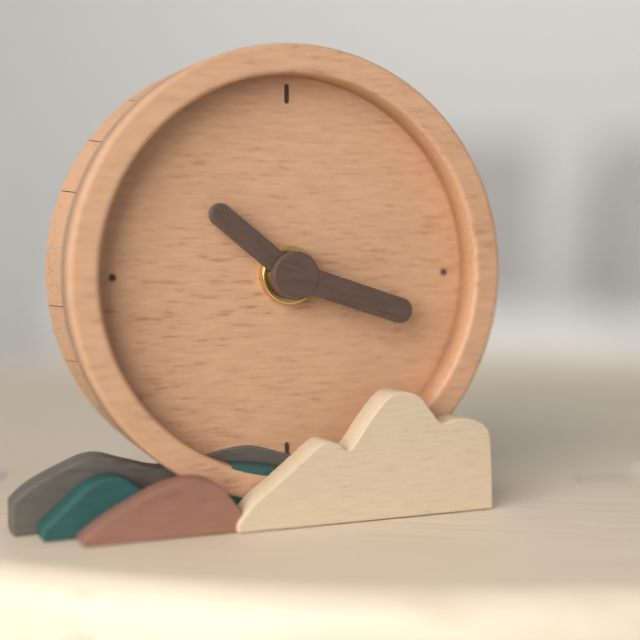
{"hour": 10, "minute": 18}
